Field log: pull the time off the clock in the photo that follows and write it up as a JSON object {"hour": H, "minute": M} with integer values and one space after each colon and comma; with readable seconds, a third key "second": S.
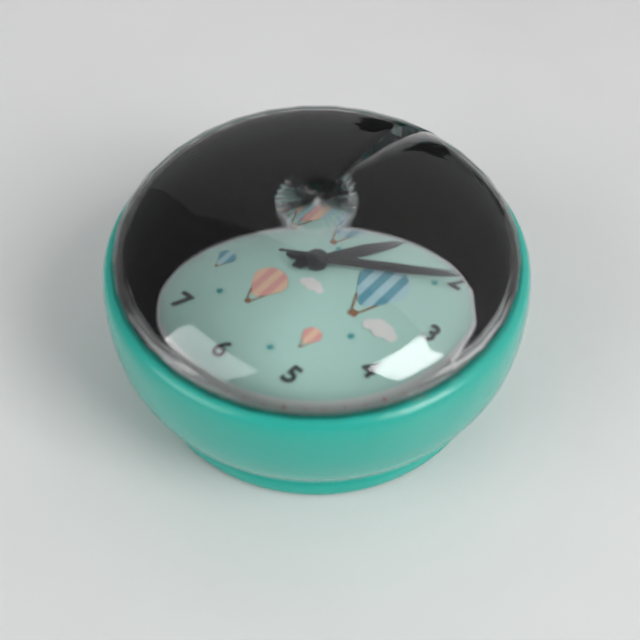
{"hour": 1, "minute": 10, "second": 10}
